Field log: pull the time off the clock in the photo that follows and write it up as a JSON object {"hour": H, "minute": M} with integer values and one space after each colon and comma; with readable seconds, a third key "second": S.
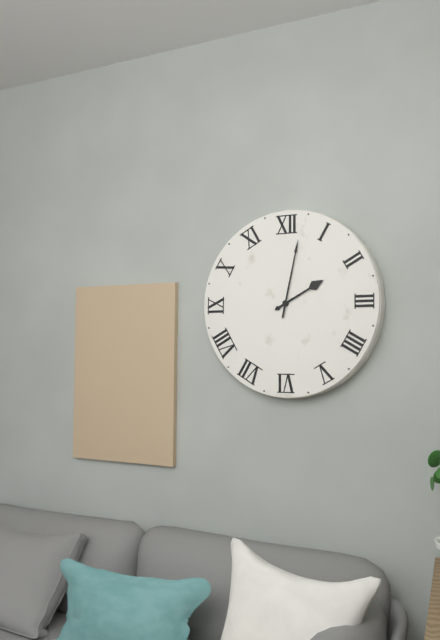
{"hour": 2, "minute": 2}
